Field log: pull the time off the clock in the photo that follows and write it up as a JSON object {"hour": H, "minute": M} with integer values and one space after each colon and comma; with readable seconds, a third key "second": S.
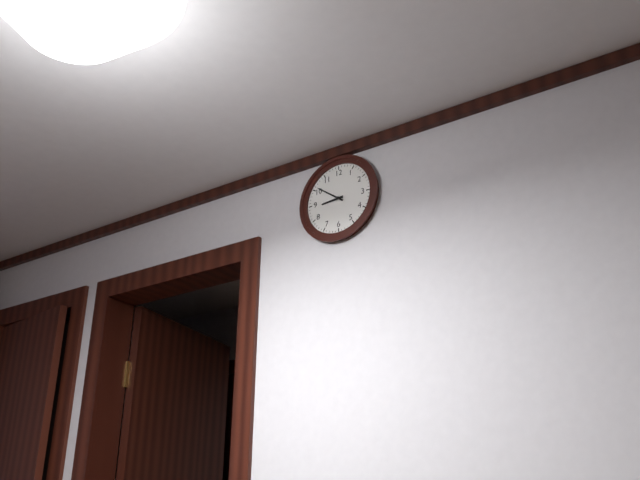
{"hour": 8, "minute": 51}
